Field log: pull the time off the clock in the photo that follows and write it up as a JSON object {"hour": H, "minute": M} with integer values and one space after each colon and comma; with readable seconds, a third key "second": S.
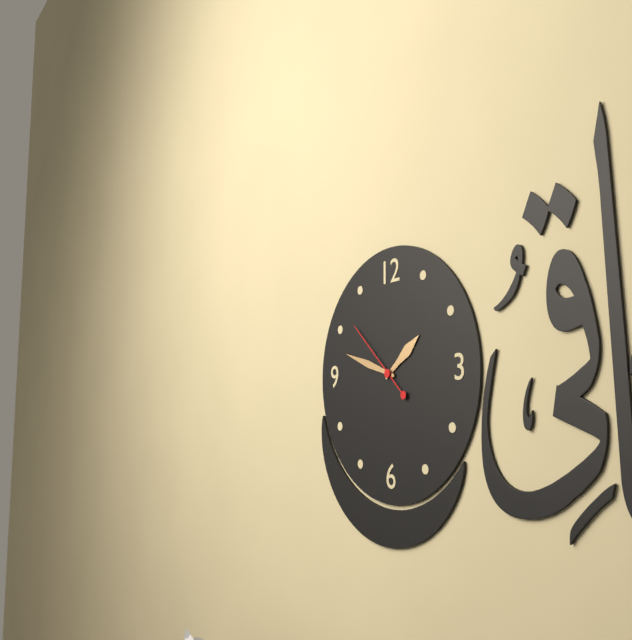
{"hour": 1, "minute": 48, "second": 52}
